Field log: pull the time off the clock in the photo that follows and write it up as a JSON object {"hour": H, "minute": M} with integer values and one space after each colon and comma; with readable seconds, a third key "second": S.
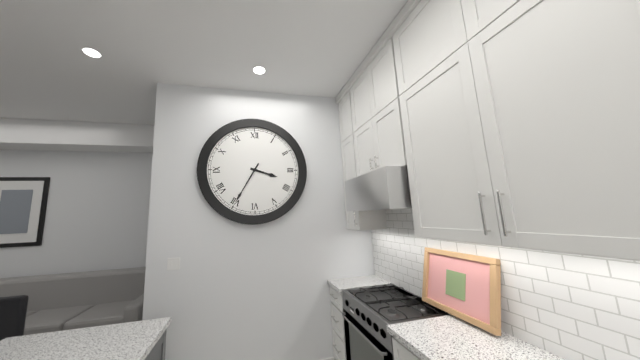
{"hour": 3, "minute": 35}
